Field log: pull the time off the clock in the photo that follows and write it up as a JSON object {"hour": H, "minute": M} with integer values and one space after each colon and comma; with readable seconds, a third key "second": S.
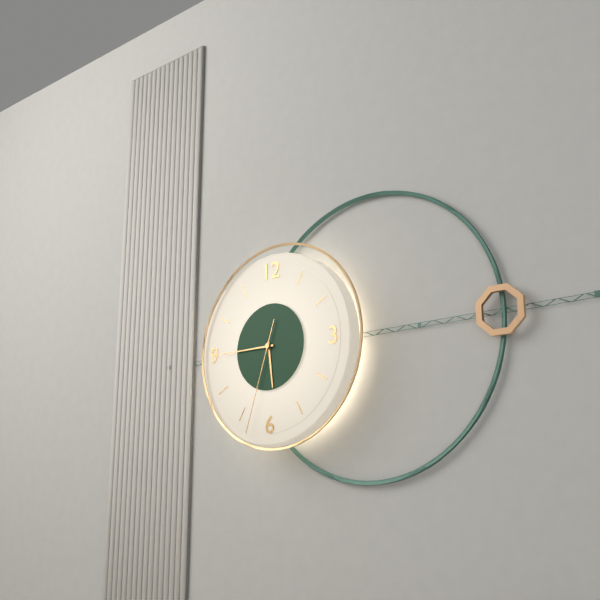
{"hour": 5, "minute": 45, "second": 33}
